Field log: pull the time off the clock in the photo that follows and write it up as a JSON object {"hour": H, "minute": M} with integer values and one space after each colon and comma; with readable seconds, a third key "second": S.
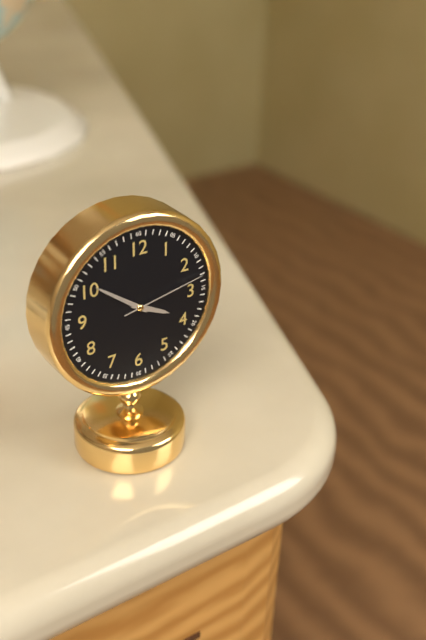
{"hour": 3, "minute": 51, "second": 13}
